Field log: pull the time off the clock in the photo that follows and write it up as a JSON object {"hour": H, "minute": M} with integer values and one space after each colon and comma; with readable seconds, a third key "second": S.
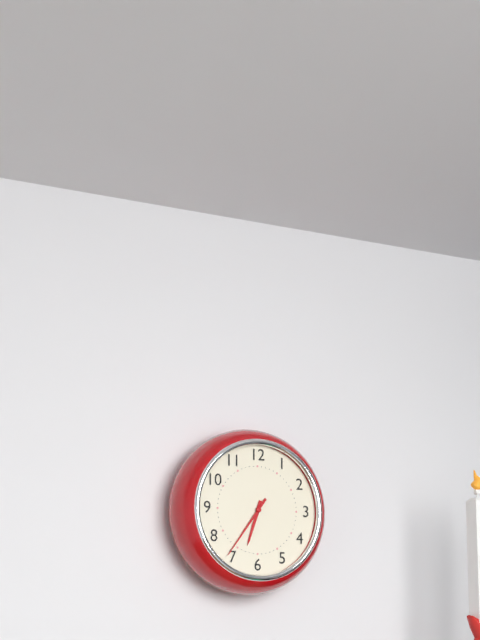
{"hour": 6, "minute": 36}
